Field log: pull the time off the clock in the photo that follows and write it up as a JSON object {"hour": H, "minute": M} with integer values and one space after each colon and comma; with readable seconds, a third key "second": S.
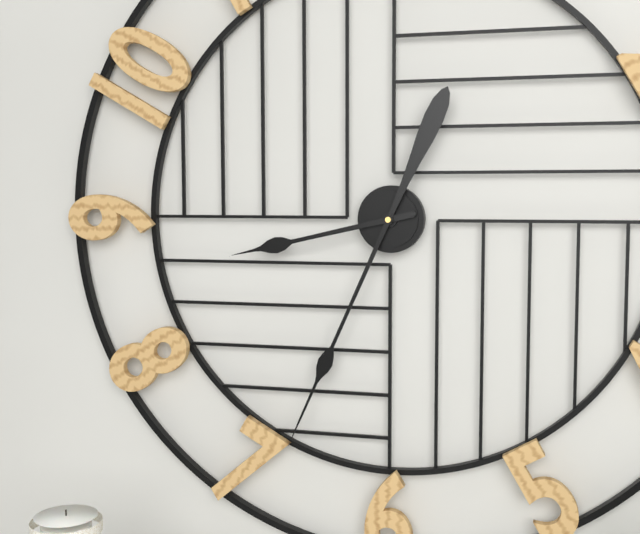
{"hour": 8, "minute": 34}
